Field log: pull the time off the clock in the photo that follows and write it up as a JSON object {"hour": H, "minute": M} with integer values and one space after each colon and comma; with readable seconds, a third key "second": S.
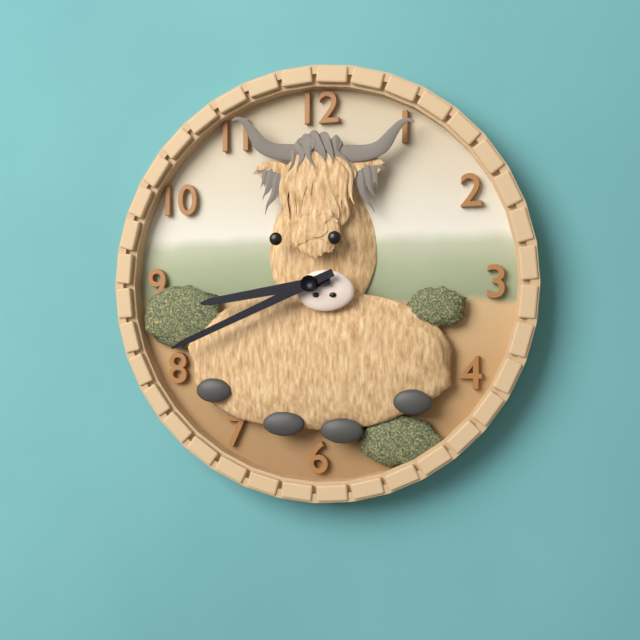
{"hour": 8, "minute": 41}
